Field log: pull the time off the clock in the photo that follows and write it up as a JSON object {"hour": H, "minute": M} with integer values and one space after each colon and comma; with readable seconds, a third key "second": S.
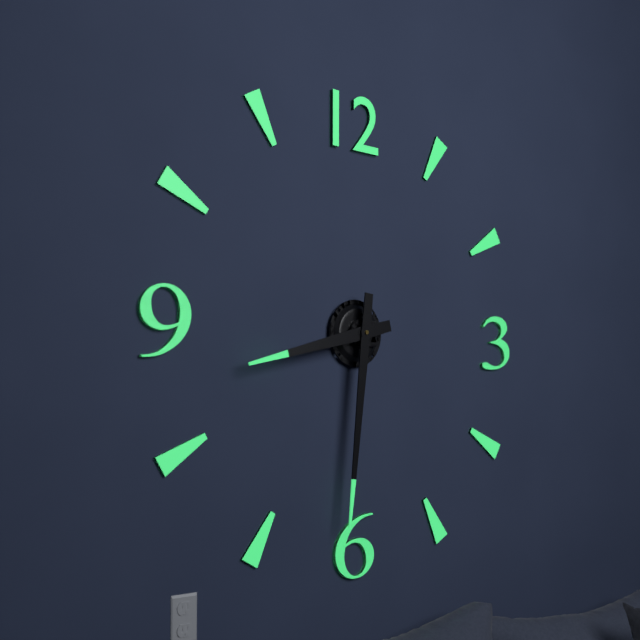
{"hour": 8, "minute": 31}
